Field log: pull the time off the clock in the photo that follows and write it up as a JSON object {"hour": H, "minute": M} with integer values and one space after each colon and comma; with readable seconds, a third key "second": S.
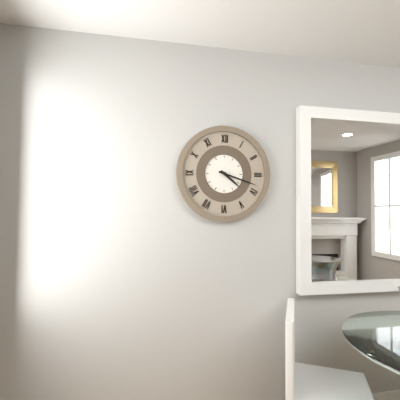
{"hour": 4, "minute": 18}
